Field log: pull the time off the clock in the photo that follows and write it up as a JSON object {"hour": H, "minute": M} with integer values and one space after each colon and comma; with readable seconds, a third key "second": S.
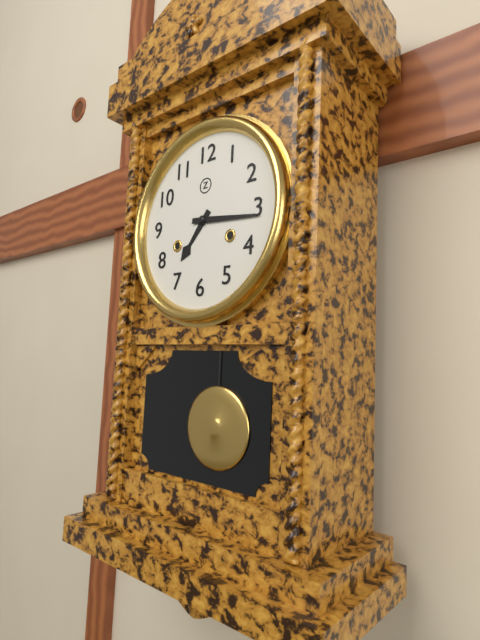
{"hour": 7, "minute": 16}
